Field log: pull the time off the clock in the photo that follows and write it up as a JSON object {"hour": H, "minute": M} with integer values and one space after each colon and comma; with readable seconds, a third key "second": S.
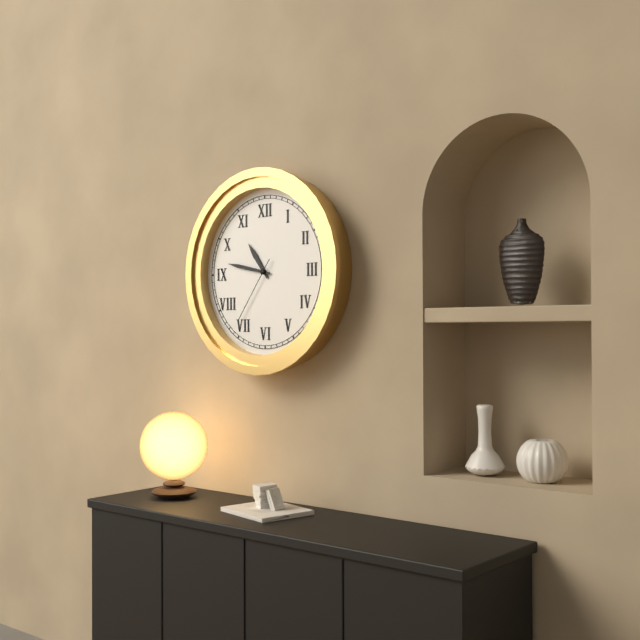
{"hour": 10, "minute": 47, "second": 36}
